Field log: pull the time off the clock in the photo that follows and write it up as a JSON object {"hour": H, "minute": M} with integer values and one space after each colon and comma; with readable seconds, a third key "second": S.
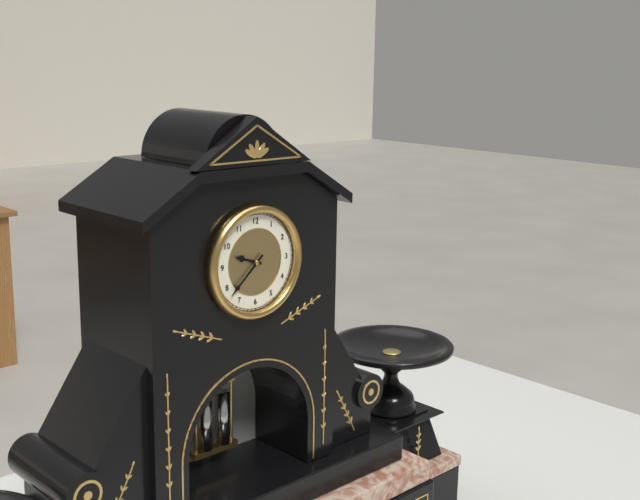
{"hour": 9, "minute": 38}
